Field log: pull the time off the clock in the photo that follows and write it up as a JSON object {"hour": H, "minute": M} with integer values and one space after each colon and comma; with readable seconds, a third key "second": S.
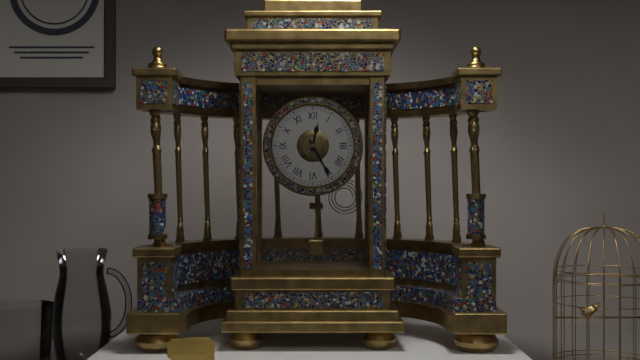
{"hour": 12, "minute": 25}
